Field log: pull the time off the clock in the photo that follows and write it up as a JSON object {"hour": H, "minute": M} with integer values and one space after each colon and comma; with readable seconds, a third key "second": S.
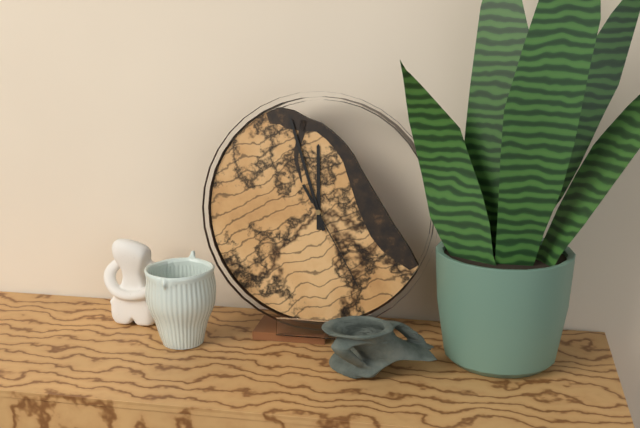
{"hour": 11, "minute": 57, "second": 25}
